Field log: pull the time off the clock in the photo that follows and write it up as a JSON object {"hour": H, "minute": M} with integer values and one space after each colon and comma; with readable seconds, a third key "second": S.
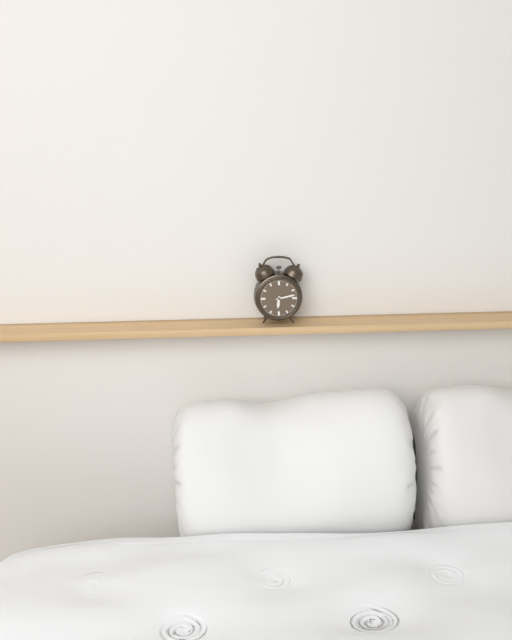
{"hour": 6, "minute": 13}
